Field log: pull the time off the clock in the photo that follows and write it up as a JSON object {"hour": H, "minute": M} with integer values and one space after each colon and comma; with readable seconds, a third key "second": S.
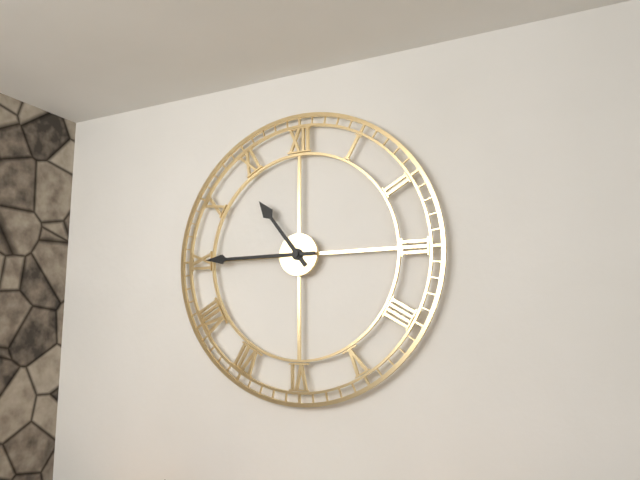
{"hour": 10, "minute": 45}
